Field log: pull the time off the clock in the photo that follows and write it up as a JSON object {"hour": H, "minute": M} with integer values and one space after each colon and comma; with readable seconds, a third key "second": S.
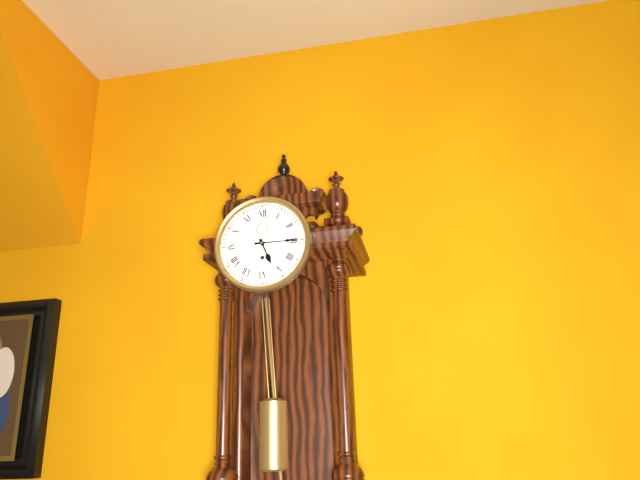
{"hour": 5, "minute": 15}
